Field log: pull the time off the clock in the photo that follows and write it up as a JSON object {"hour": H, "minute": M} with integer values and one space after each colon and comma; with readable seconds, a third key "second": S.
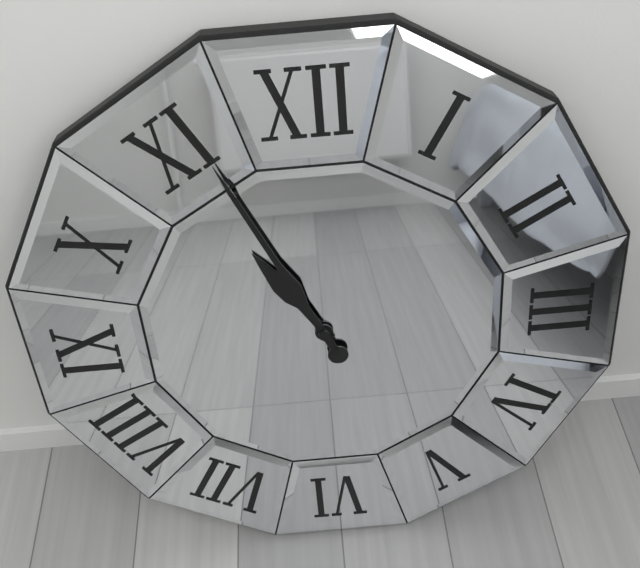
{"hour": 10, "minute": 56}
